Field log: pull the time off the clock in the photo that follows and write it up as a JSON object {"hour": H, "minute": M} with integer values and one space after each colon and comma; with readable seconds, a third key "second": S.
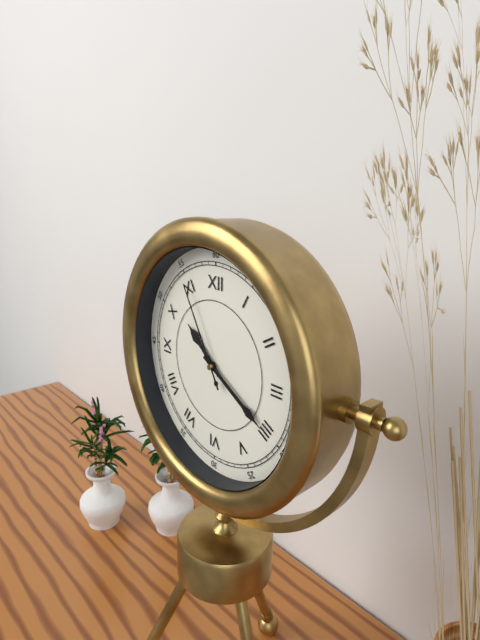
{"hour": 10, "minute": 20, "second": 55}
